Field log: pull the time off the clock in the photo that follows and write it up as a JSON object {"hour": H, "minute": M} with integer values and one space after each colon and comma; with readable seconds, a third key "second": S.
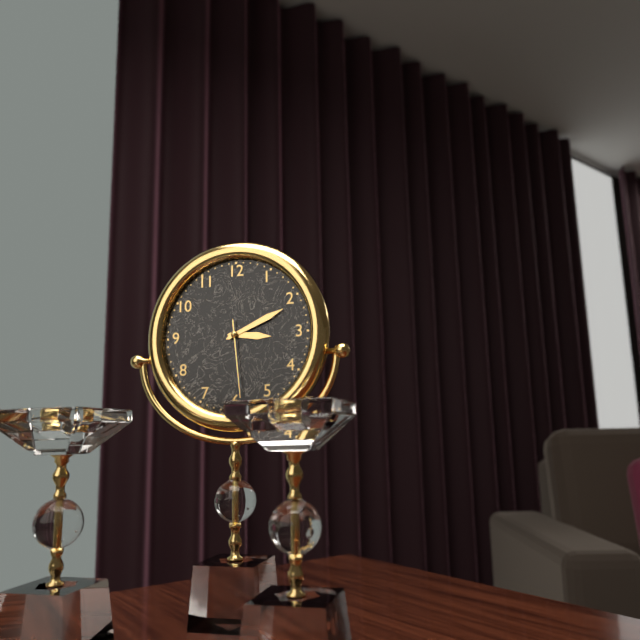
{"hour": 3, "minute": 11, "second": 29}
